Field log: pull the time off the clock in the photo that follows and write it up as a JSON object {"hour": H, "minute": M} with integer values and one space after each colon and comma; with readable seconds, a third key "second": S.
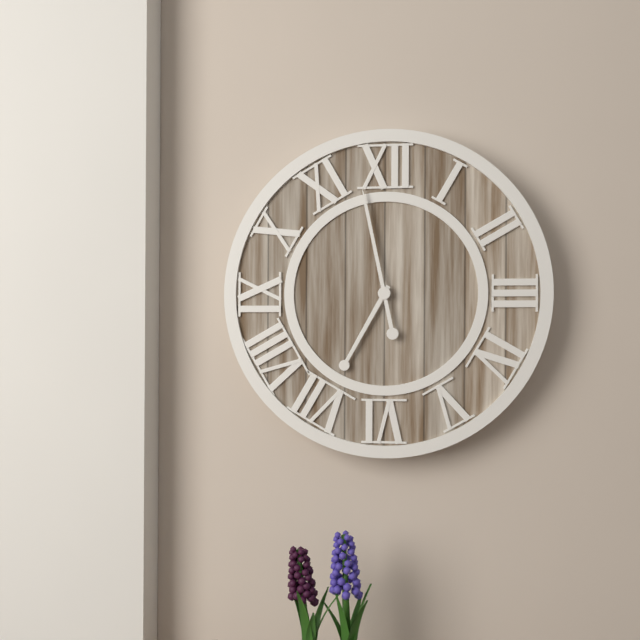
{"hour": 6, "minute": 58}
